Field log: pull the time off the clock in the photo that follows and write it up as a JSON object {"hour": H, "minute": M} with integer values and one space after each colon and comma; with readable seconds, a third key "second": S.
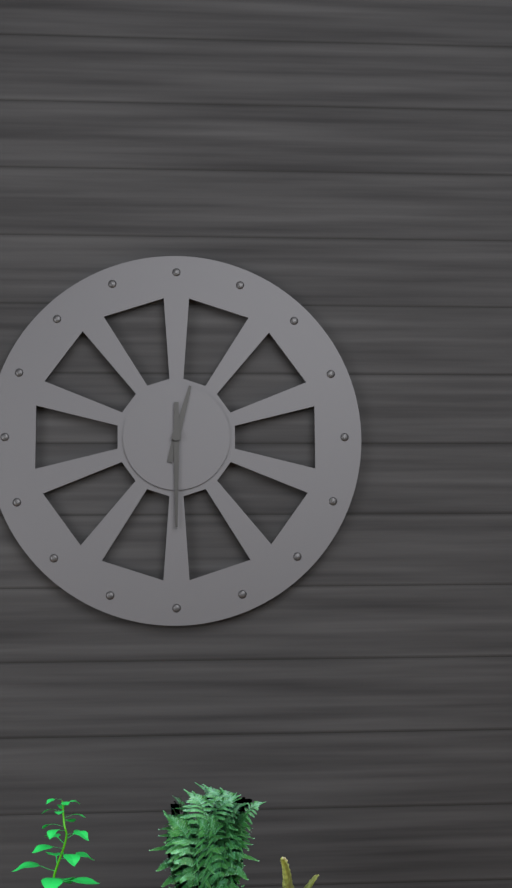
{"hour": 12, "minute": 30}
